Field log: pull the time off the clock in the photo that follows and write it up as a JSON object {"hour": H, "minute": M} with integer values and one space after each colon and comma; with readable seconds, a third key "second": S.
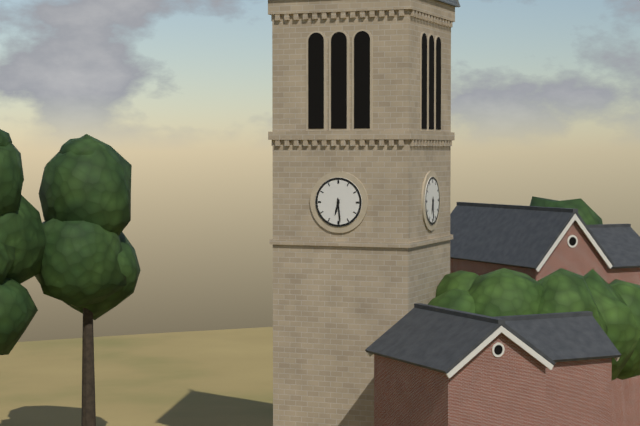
{"hour": 6, "minute": 29}
